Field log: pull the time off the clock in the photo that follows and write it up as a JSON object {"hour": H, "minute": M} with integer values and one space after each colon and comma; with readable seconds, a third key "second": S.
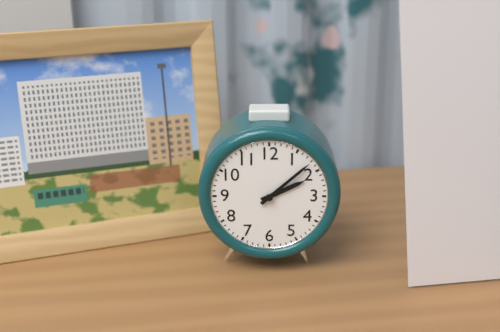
{"hour": 2, "minute": 8}
